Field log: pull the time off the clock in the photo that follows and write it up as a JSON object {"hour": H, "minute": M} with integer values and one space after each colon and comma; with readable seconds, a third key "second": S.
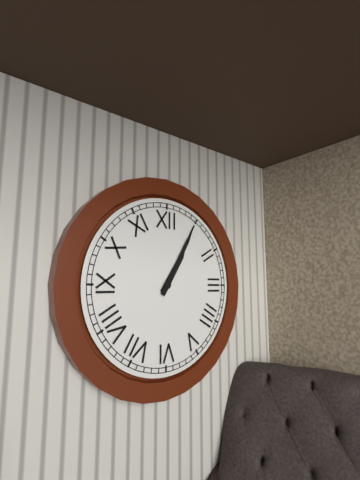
{"hour": 1, "minute": 5}
